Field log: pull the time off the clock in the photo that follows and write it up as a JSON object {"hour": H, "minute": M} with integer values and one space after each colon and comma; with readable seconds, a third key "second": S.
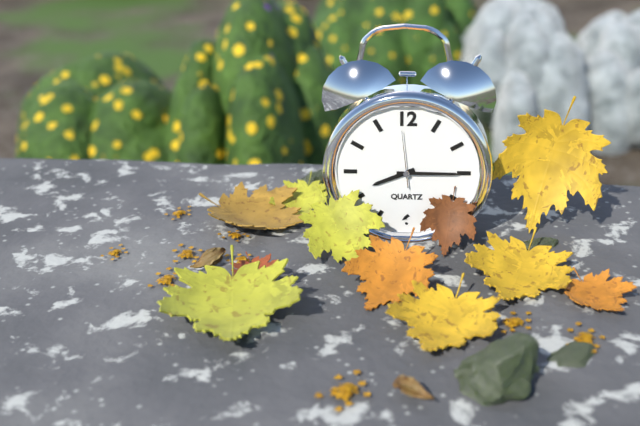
{"hour": 8, "minute": 15, "second": 59}
